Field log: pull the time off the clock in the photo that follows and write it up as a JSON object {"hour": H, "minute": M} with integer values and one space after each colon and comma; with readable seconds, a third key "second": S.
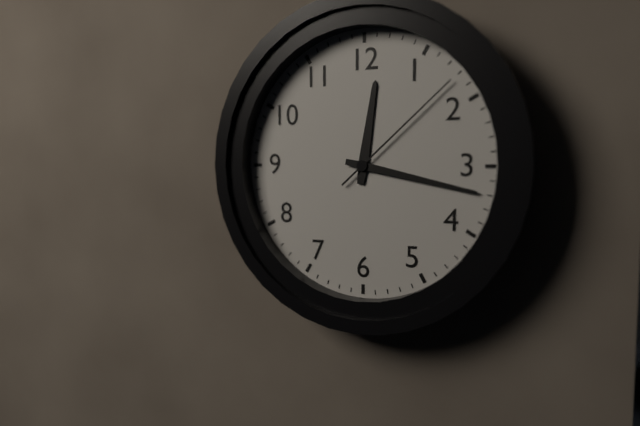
{"hour": 12, "minute": 17, "second": 8}
